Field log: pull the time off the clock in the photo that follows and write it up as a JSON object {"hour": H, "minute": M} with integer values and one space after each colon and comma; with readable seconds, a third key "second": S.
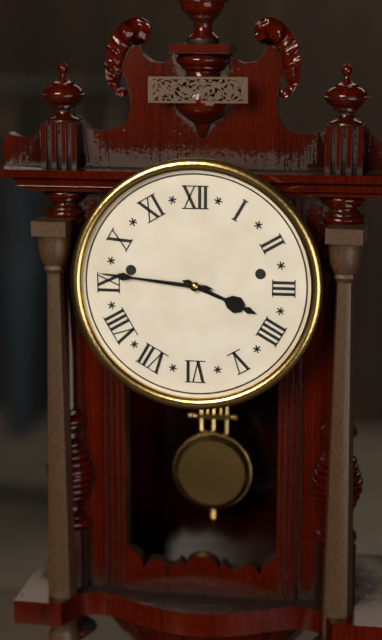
{"hour": 3, "minute": 46}
